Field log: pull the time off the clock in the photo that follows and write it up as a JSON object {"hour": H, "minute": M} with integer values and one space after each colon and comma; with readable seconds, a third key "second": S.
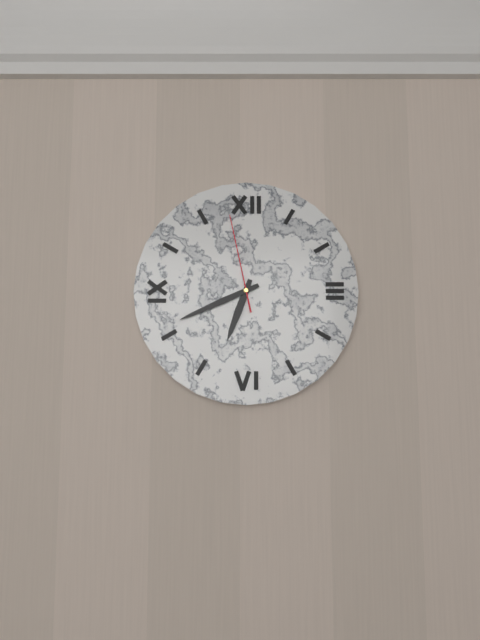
{"hour": 6, "minute": 41, "second": 58}
